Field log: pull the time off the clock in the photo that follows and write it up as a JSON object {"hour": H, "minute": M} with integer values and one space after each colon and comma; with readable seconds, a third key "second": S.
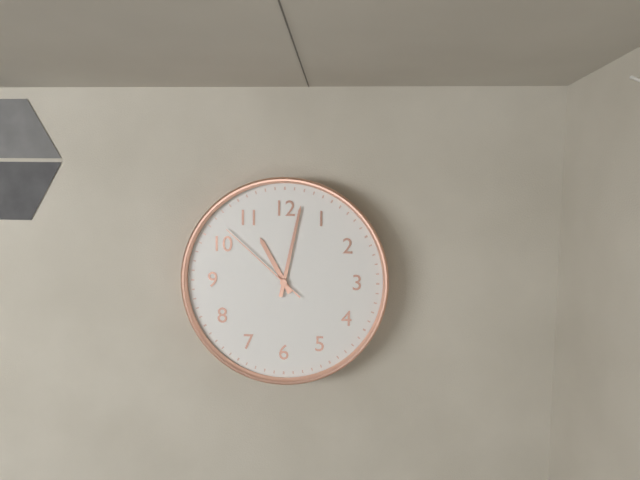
{"hour": 11, "minute": 2, "second": 52}
